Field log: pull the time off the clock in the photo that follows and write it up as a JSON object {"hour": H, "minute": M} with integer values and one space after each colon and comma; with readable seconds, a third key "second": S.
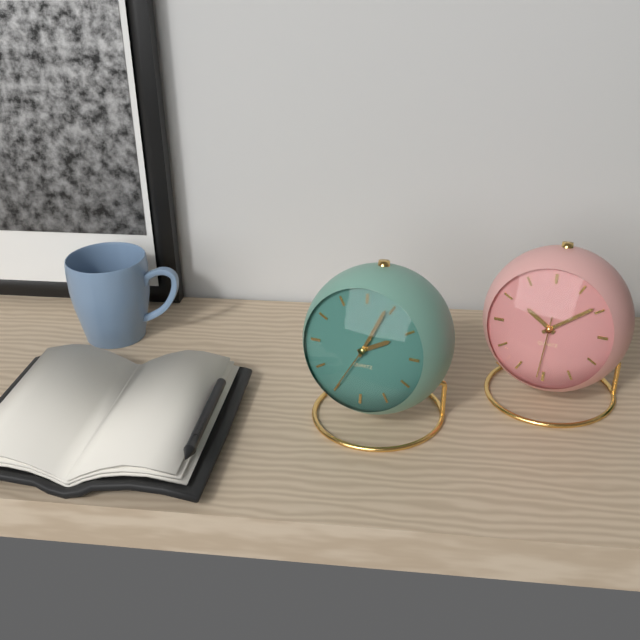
{"hour": 2, "minute": 4, "second": 35}
